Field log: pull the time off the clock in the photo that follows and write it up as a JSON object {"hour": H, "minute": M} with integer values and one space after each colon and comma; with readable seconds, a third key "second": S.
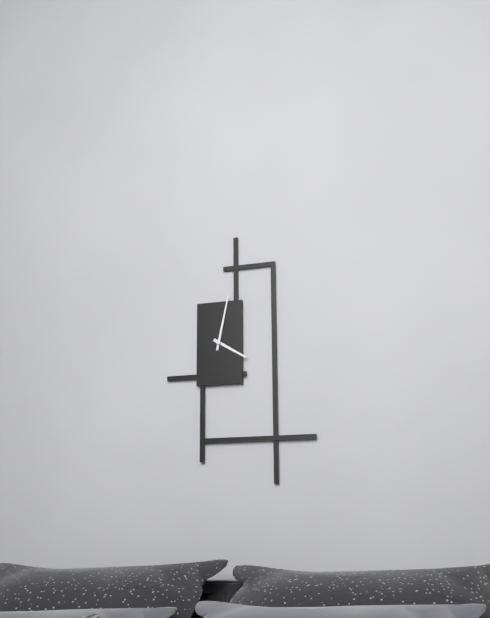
{"hour": 4, "minute": 2}
